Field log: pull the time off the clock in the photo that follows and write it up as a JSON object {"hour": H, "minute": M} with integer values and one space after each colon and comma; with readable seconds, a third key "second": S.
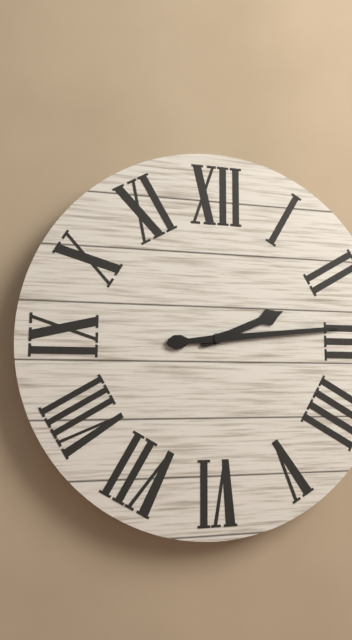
{"hour": 2, "minute": 14}
